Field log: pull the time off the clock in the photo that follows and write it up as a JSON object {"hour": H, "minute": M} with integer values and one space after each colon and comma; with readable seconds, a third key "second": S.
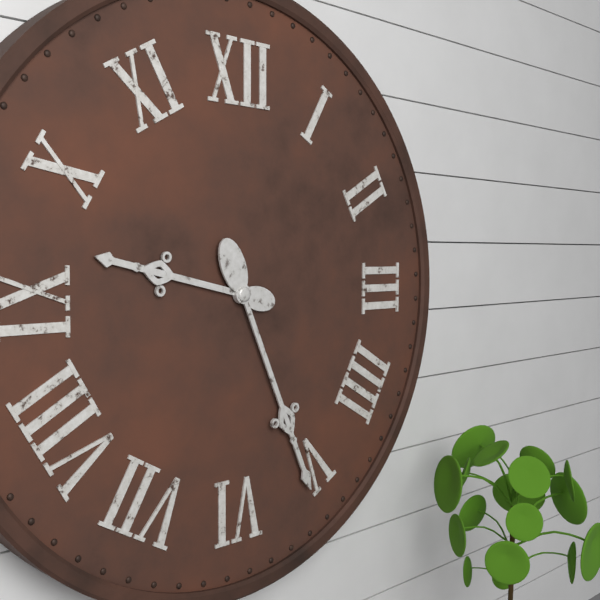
{"hour": 9, "minute": 26}
